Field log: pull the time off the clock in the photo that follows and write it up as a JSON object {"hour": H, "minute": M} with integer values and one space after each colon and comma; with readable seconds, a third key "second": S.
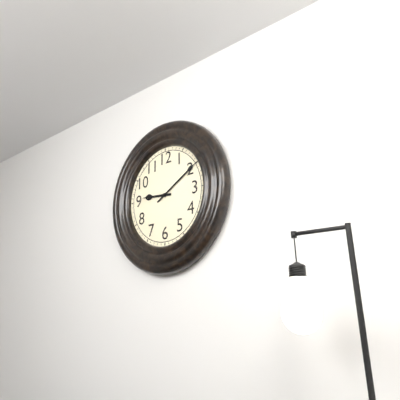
{"hour": 9, "minute": 10}
